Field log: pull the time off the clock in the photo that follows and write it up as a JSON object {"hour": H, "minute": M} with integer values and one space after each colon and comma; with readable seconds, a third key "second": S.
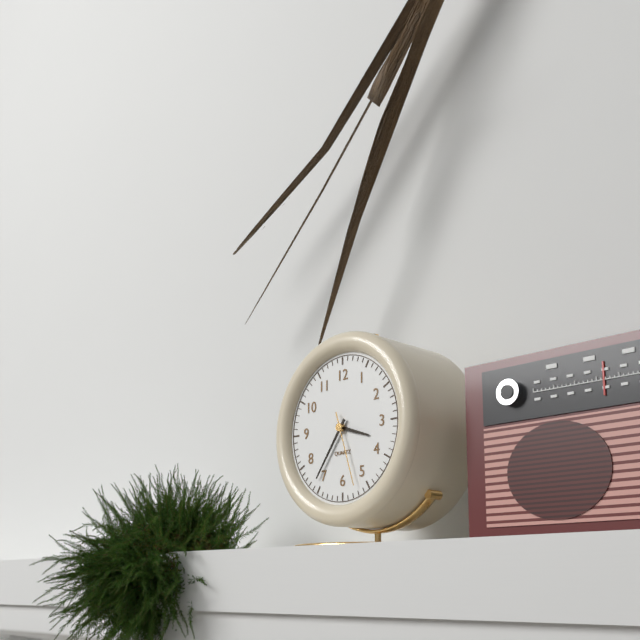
{"hour": 3, "minute": 36, "second": 27}
